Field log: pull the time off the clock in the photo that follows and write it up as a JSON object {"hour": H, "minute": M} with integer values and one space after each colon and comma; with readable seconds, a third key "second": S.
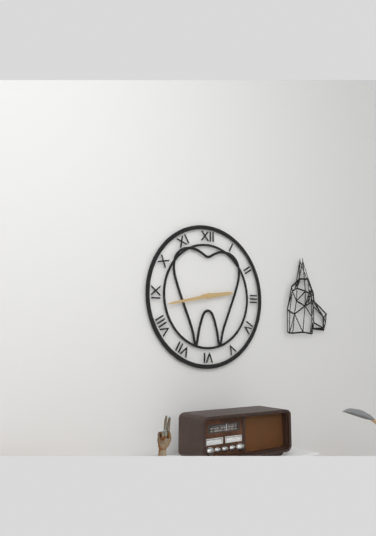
{"hour": 2, "minute": 43}
